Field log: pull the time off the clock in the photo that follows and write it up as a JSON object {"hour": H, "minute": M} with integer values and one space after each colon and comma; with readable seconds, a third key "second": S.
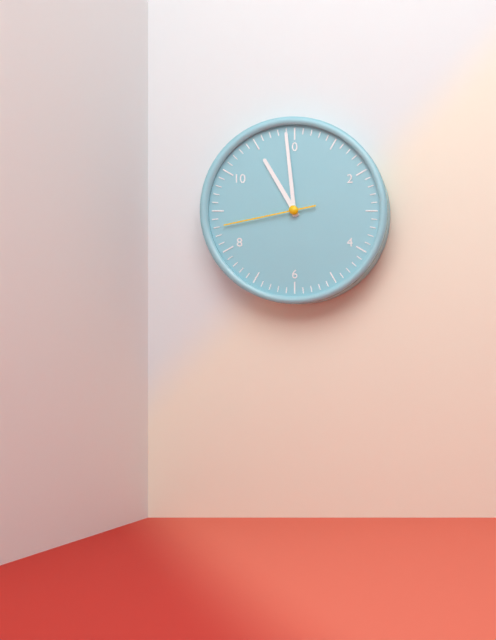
{"hour": 10, "minute": 59, "second": 43}
